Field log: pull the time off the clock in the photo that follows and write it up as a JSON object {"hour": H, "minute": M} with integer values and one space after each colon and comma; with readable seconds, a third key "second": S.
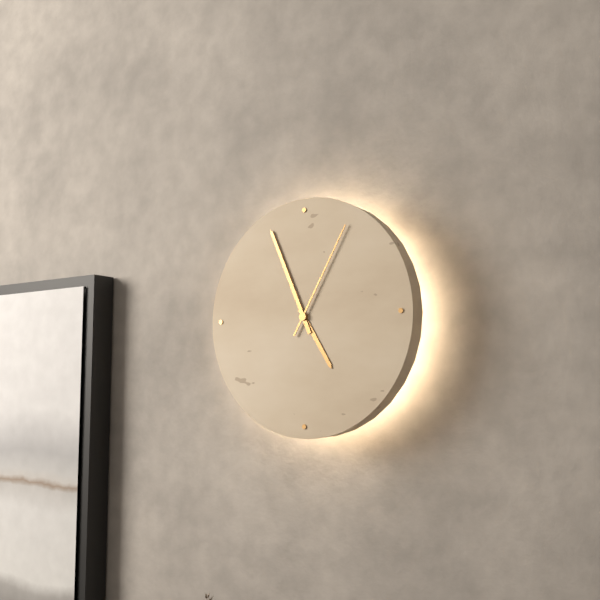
{"hour": 4, "minute": 56, "second": 5}
